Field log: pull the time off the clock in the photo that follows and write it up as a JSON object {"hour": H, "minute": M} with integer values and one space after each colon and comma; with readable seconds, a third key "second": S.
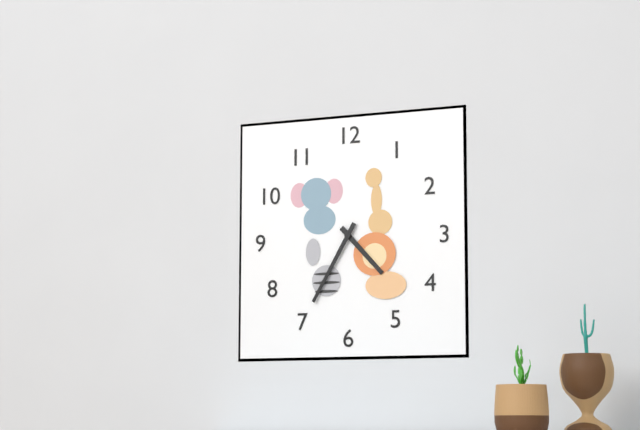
{"hour": 4, "minute": 35}
